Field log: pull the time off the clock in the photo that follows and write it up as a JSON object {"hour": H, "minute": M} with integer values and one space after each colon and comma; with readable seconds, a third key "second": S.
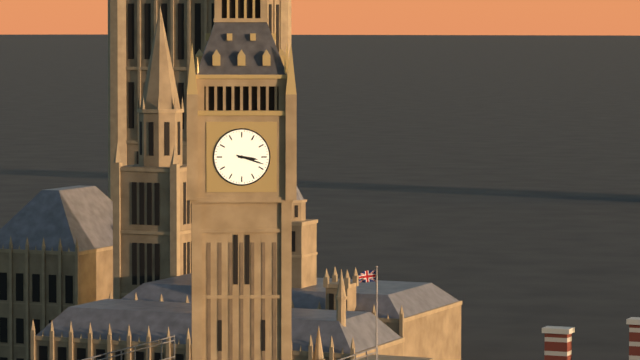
{"hour": 3, "minute": 18}
